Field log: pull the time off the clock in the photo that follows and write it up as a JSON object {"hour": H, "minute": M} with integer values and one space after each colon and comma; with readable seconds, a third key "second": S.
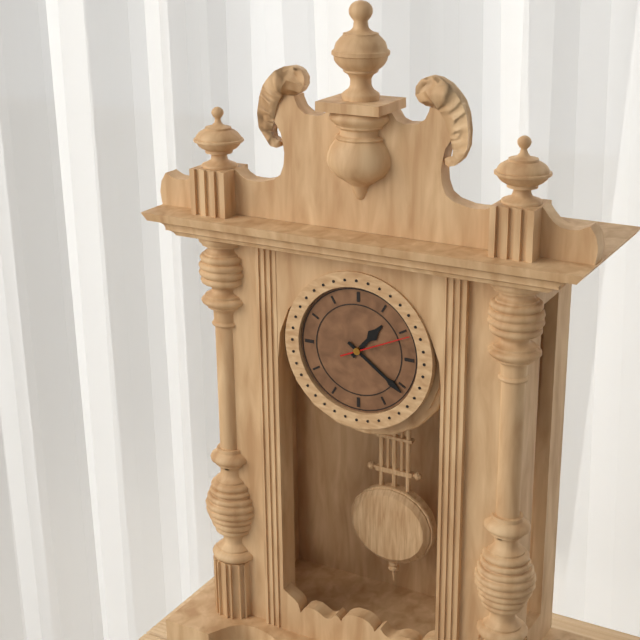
{"hour": 1, "minute": 21, "second": 11}
